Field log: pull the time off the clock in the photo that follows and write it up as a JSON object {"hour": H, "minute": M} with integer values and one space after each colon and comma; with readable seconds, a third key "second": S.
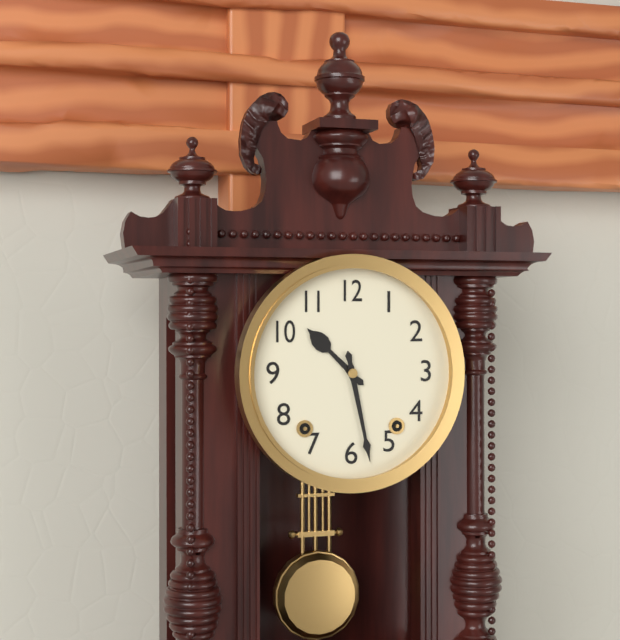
{"hour": 10, "minute": 28}
